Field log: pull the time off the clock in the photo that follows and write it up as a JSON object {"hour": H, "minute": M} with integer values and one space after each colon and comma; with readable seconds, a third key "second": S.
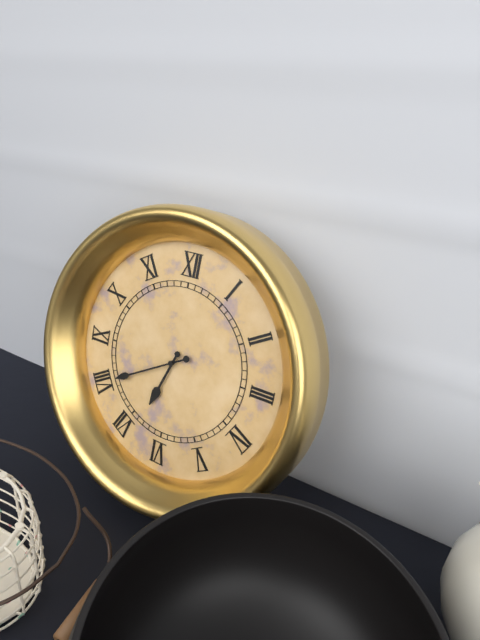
{"hour": 6, "minute": 40}
